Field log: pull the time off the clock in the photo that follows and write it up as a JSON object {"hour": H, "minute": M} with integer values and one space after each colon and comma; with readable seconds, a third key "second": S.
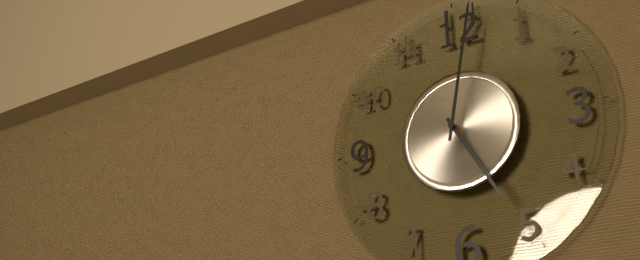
{"hour": 5, "minute": 2}
